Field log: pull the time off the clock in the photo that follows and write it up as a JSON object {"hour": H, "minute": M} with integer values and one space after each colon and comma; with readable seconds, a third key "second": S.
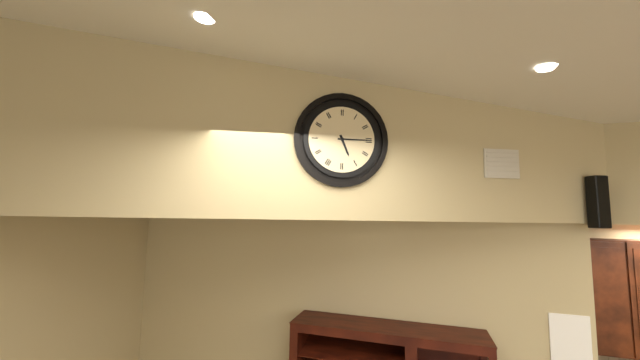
{"hour": 5, "minute": 15}
